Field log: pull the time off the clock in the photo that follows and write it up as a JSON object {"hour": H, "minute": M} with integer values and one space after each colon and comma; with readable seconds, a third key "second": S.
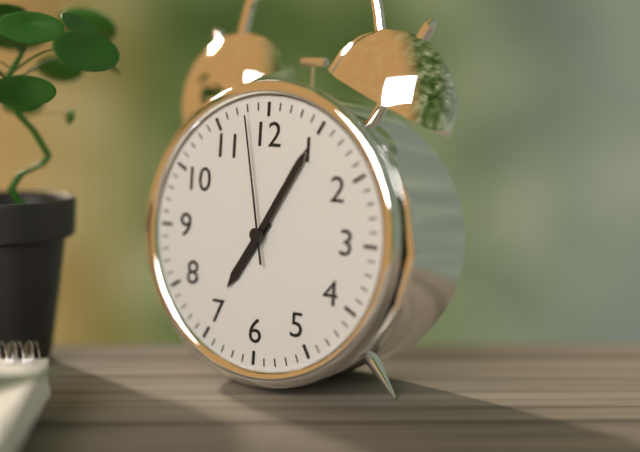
{"hour": 7, "minute": 5, "second": 58}
